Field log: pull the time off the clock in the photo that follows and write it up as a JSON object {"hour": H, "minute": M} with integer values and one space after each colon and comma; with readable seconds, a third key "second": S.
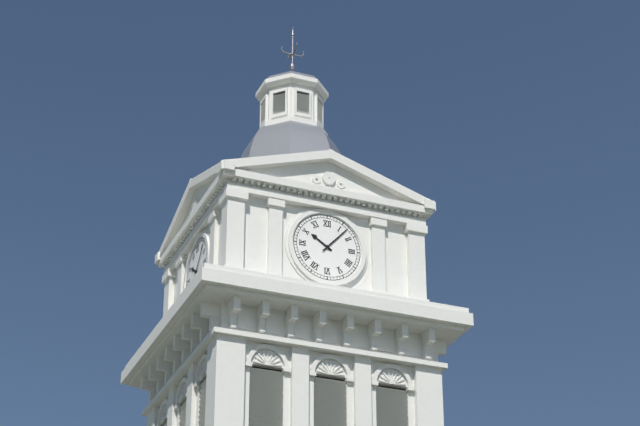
{"hour": 10, "minute": 7}
